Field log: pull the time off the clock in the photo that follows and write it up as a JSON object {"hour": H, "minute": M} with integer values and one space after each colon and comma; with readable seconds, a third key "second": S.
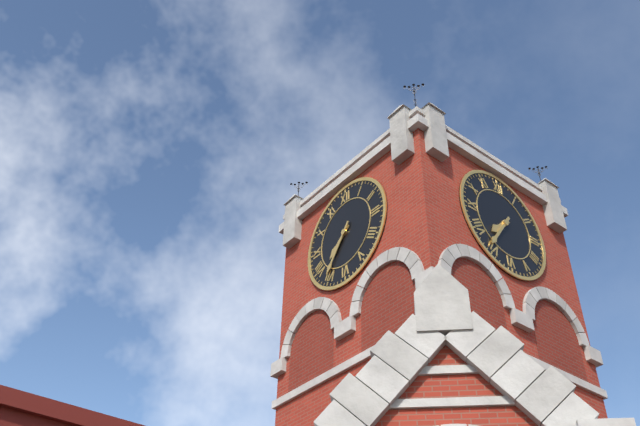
{"hour": 7, "minute": 36}
